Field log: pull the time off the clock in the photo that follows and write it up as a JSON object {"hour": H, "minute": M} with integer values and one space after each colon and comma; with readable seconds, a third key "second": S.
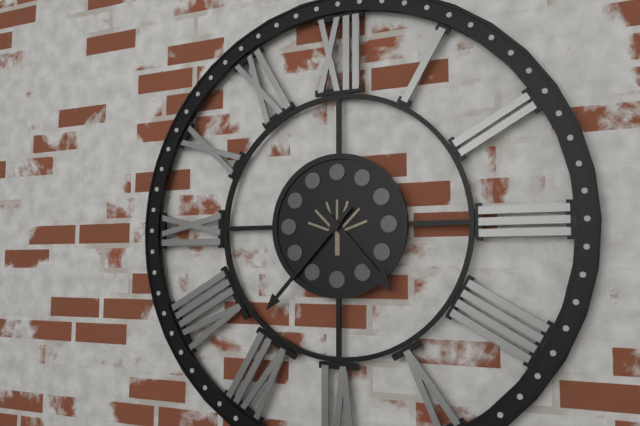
{"hour": 4, "minute": 37}
